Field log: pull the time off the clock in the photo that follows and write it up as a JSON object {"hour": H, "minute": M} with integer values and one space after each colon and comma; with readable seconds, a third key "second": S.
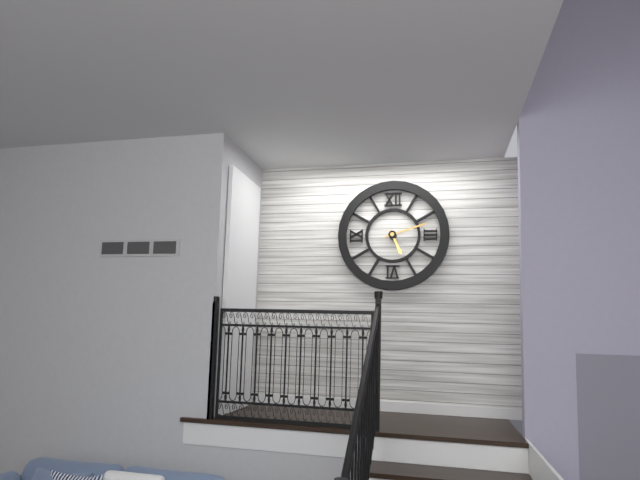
{"hour": 5, "minute": 12}
